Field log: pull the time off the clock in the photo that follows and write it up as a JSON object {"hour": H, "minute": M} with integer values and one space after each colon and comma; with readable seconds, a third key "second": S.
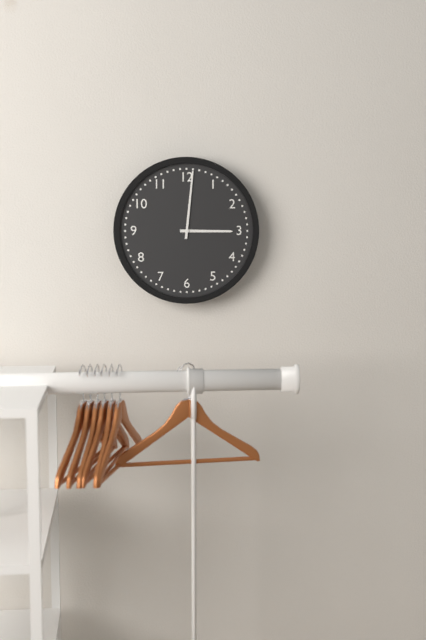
{"hour": 3, "minute": 1}
